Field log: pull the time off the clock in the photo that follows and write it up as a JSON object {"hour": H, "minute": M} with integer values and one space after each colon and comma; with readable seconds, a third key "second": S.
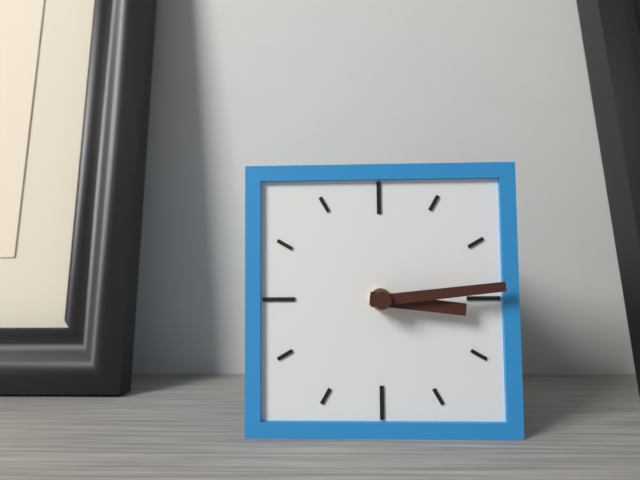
{"hour": 3, "minute": 14}
